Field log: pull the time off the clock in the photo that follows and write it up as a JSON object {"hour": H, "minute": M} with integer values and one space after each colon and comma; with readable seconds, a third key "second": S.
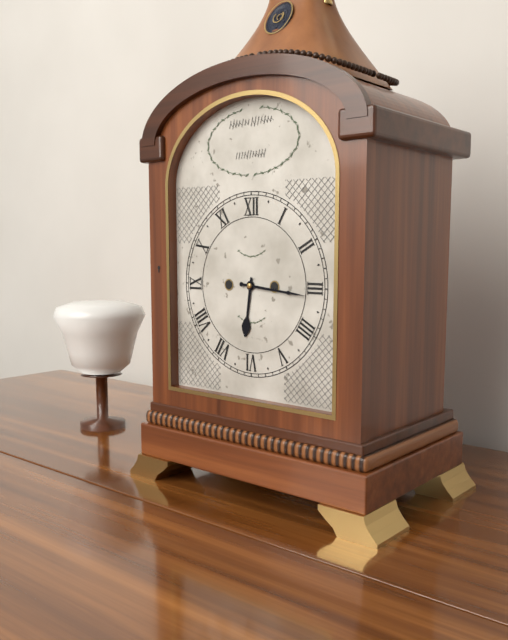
{"hour": 6, "minute": 16}
